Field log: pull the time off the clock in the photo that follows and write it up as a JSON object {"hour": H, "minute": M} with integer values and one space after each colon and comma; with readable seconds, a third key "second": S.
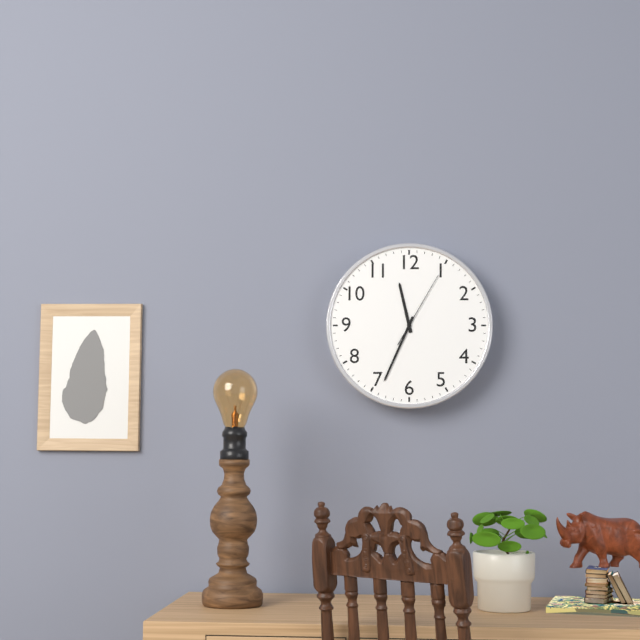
{"hour": 11, "minute": 34, "second": 5}
